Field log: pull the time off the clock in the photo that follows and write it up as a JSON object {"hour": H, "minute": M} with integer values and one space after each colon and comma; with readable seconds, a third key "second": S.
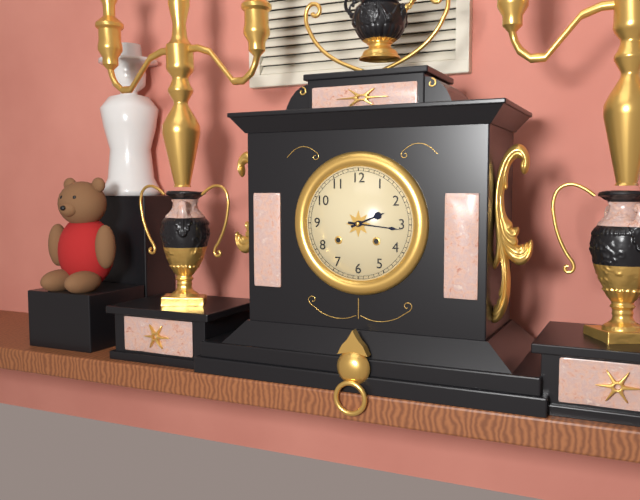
{"hour": 2, "minute": 16}
